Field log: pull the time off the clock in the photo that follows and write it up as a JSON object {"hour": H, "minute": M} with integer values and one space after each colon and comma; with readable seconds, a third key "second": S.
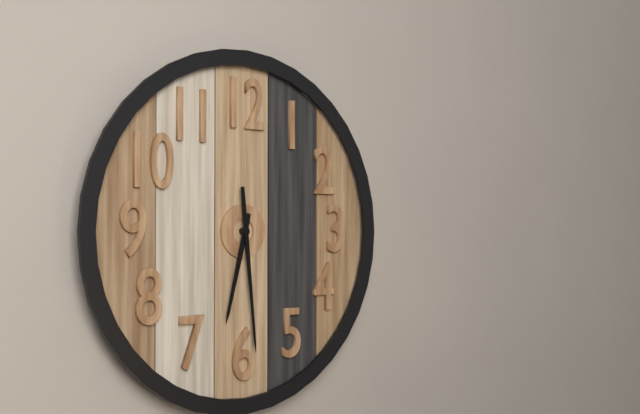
{"hour": 6, "minute": 29}
